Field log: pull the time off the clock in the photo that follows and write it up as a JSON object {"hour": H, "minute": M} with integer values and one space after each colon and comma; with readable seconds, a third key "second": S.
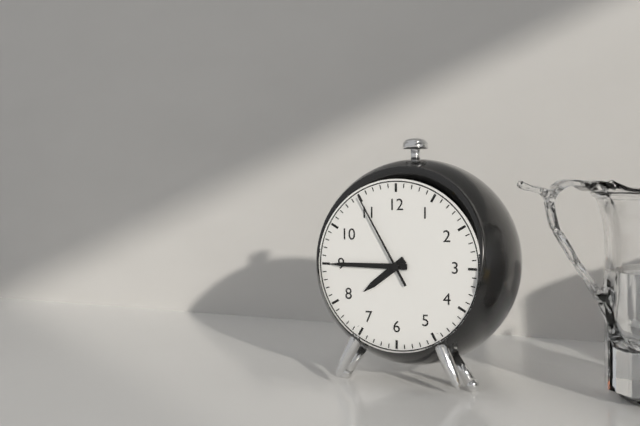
{"hour": 7, "minute": 45, "second": 55}
